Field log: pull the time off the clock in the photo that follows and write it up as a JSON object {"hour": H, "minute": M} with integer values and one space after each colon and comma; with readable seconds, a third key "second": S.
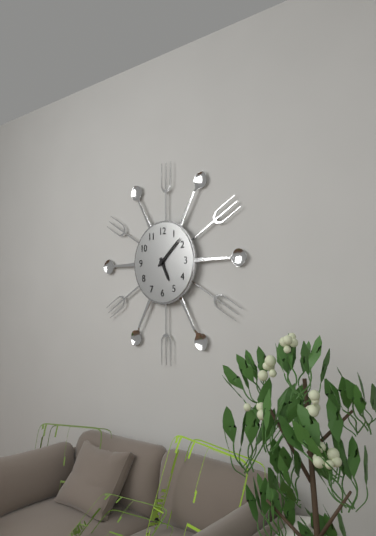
{"hour": 5, "minute": 8}
